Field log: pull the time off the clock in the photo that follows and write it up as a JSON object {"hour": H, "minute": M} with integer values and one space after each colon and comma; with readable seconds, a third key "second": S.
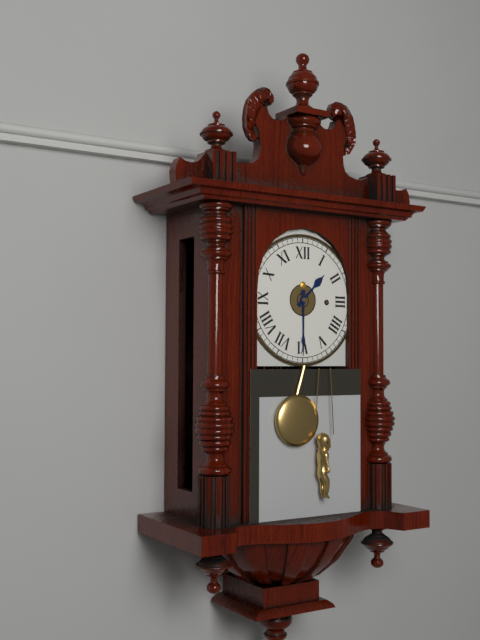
{"hour": 1, "minute": 30}
